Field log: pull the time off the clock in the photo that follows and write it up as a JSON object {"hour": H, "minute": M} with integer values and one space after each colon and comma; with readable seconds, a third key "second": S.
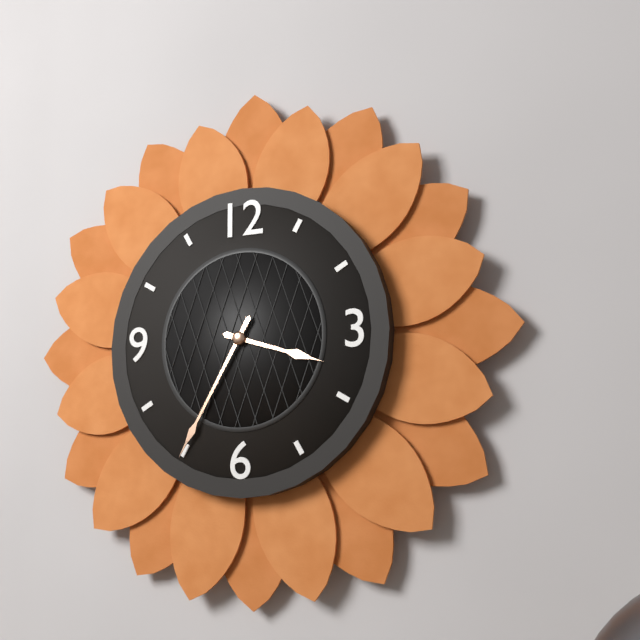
{"hour": 3, "minute": 35}
